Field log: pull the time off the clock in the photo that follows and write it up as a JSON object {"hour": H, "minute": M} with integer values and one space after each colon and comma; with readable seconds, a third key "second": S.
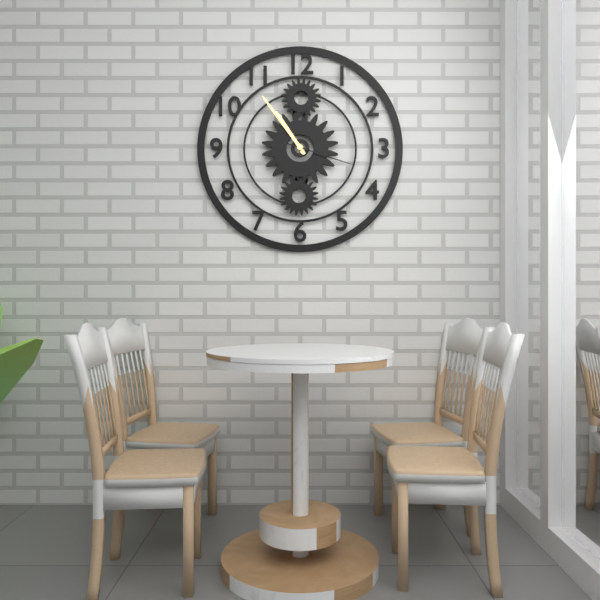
{"hour": 10, "minute": 54, "second": 18}
